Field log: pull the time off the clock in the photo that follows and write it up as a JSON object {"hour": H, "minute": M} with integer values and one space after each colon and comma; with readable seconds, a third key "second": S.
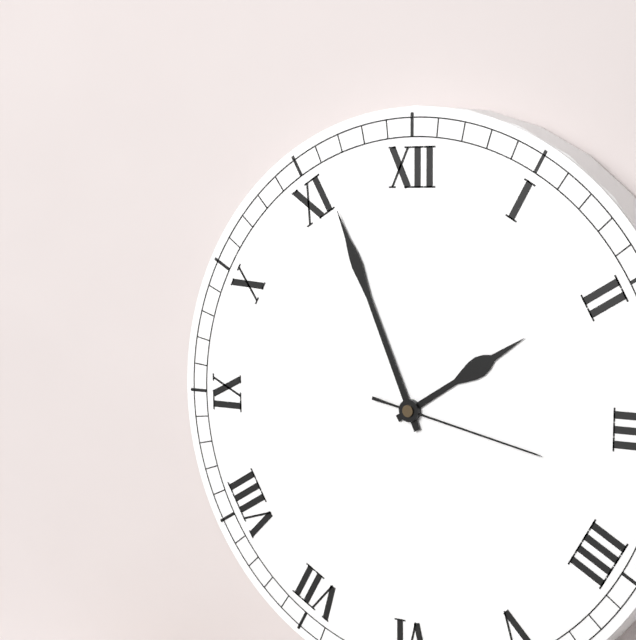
{"hour": 1, "minute": 56, "second": 17}
